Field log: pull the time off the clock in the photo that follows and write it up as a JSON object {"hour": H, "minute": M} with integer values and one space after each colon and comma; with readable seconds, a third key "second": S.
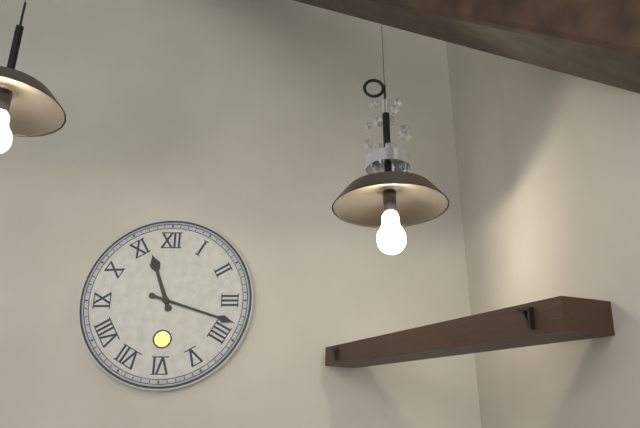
{"hour": 11, "minute": 18}
